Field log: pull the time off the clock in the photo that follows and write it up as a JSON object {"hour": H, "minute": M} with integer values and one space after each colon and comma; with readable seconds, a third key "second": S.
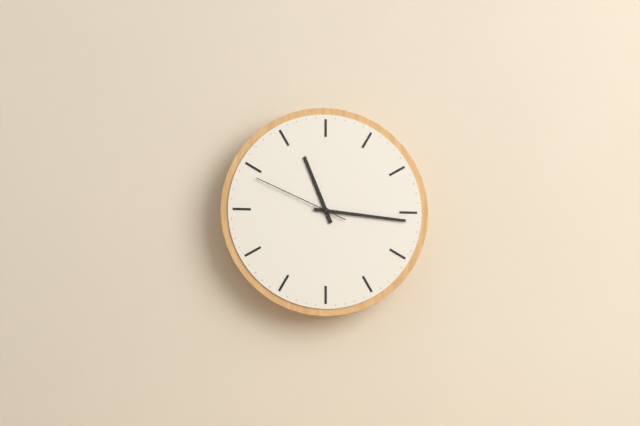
{"hour": 11, "minute": 16, "second": 49}
